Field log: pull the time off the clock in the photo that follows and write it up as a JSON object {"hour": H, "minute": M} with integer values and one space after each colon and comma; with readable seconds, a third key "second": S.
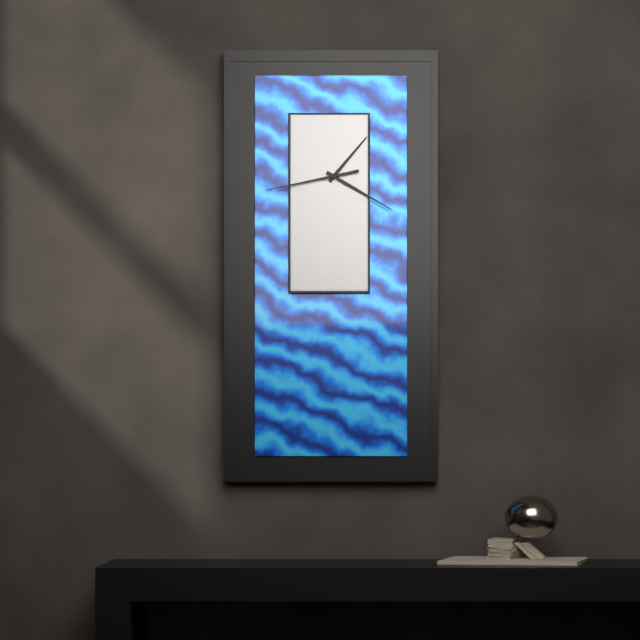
{"hour": 1, "minute": 20, "second": 43}
